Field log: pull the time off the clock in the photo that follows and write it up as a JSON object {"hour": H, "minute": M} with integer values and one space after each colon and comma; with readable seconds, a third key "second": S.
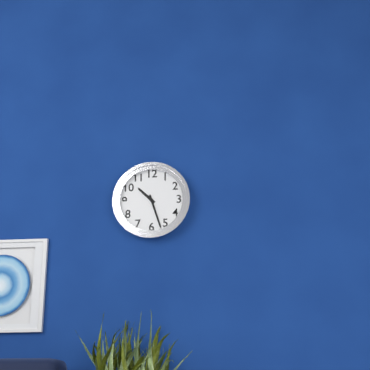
{"hour": 10, "minute": 27}
